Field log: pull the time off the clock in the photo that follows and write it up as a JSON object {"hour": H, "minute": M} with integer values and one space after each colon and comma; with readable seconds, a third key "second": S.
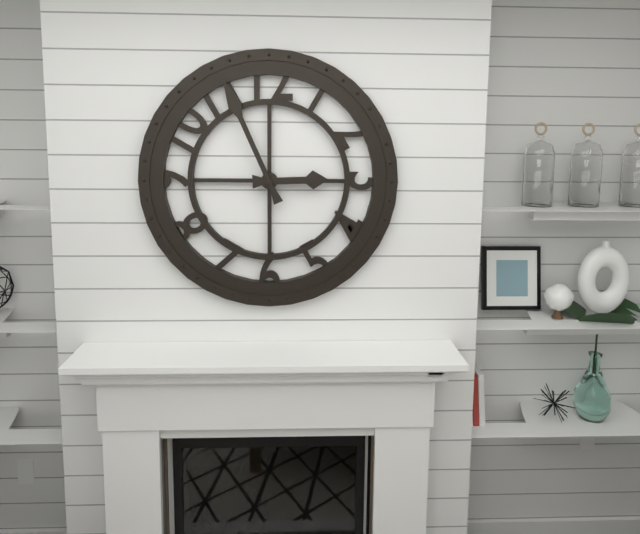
{"hour": 2, "minute": 56}
